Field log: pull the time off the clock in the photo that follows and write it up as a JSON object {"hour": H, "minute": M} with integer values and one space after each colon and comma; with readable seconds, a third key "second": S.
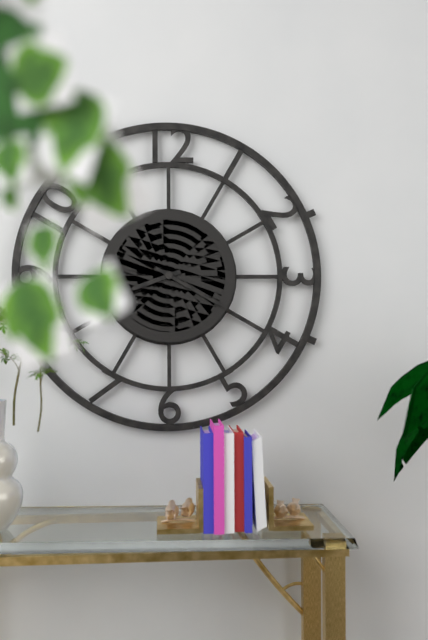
{"hour": 8, "minute": 20}
